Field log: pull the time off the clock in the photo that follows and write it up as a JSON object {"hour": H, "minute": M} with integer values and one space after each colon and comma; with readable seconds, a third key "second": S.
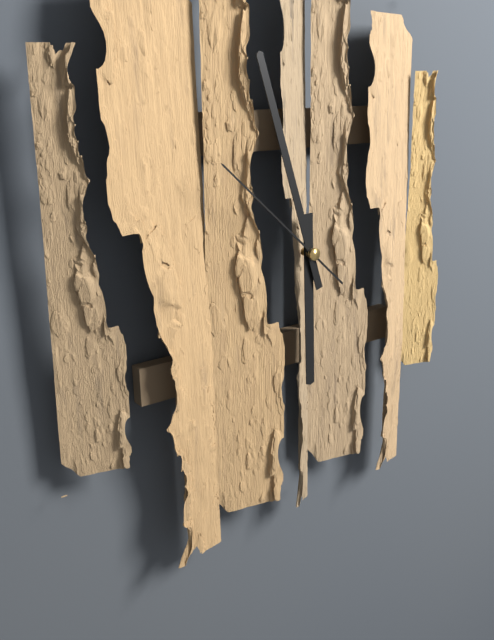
{"hour": 5, "minute": 57, "second": 52}
